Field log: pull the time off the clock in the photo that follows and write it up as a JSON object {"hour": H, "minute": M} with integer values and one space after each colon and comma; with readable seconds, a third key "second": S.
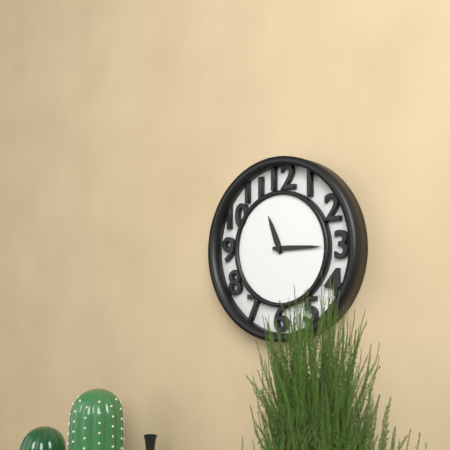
{"hour": 11, "minute": 15}
